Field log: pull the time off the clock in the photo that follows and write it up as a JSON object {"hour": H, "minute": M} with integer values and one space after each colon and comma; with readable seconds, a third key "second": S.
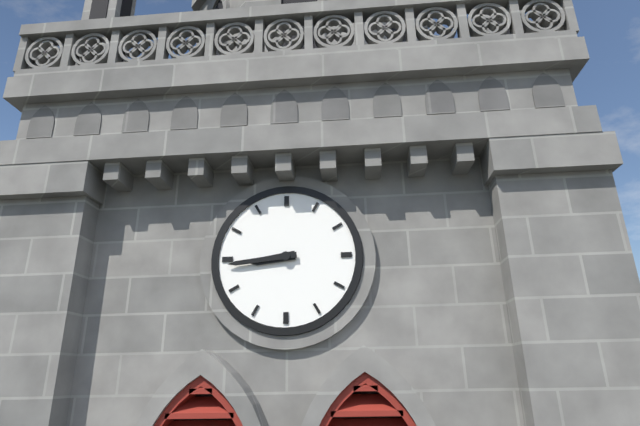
{"hour": 8, "minute": 44}
